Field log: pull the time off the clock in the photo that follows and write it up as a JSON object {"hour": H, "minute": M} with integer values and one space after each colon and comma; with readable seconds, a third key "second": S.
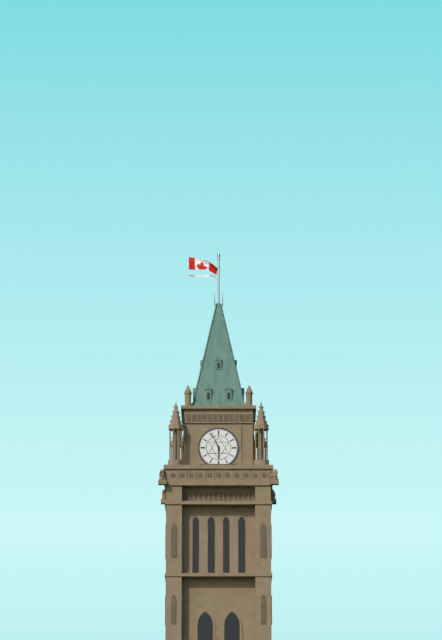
{"hour": 5, "minute": 56}
